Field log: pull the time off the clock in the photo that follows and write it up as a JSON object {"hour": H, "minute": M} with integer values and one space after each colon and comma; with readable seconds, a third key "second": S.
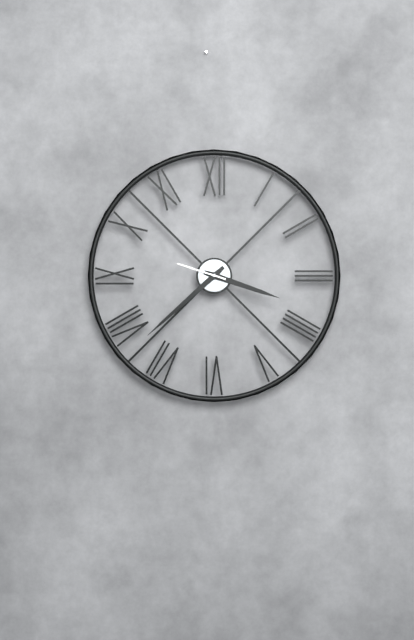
{"hour": 3, "minute": 38}
